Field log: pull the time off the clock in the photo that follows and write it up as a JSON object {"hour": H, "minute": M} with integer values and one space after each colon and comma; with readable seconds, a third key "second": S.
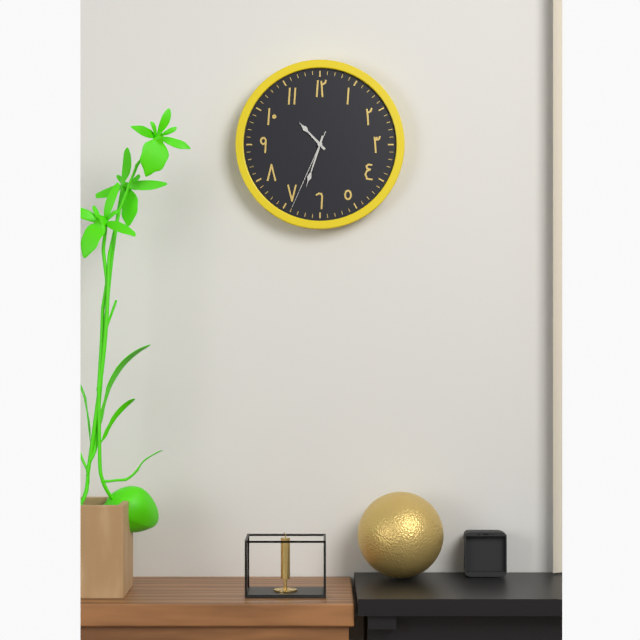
{"hour": 10, "minute": 33, "second": 34}
